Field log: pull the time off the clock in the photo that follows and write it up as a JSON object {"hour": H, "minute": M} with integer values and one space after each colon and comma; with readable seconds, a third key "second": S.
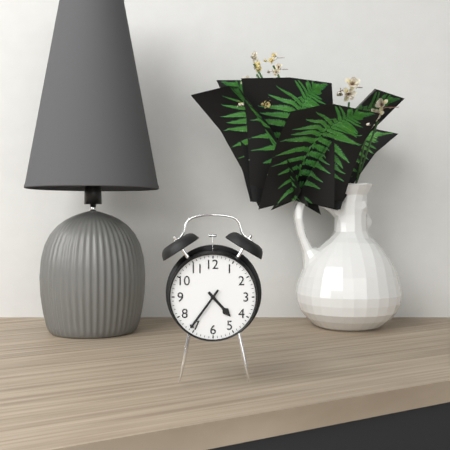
{"hour": 4, "minute": 36}
